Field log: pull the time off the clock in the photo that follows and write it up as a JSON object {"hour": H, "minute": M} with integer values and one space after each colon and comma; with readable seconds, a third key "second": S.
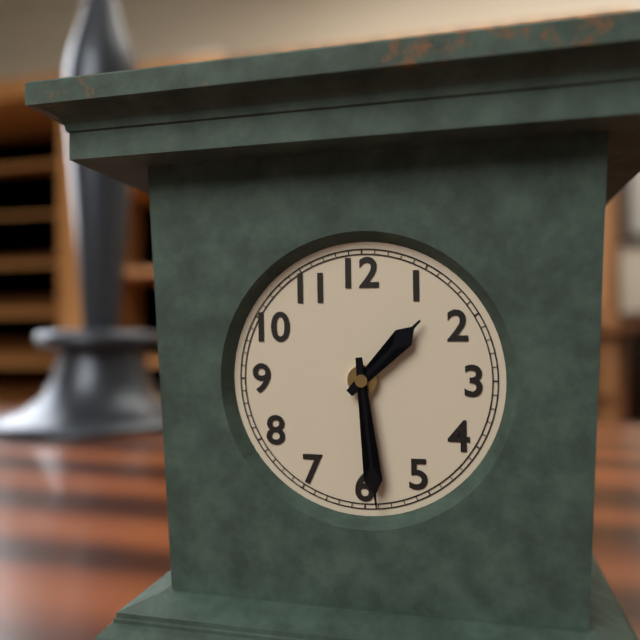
{"hour": 1, "minute": 29}
